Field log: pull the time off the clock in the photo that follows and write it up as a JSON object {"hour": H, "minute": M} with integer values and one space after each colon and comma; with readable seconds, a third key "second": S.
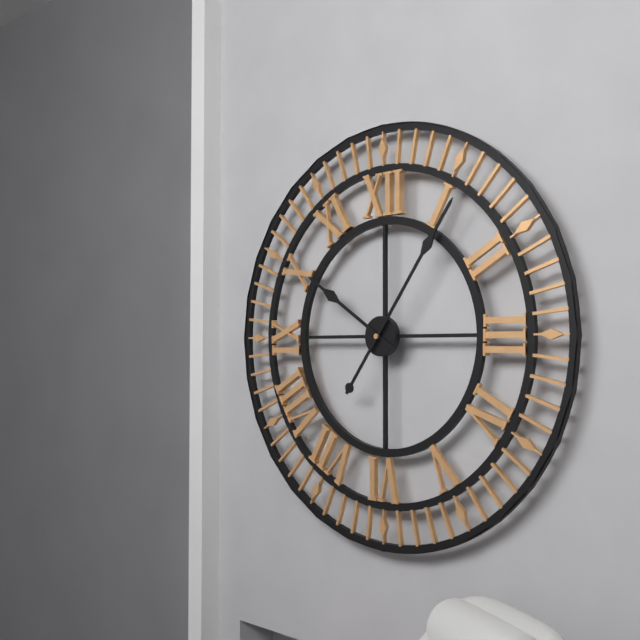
{"hour": 10, "minute": 6}
